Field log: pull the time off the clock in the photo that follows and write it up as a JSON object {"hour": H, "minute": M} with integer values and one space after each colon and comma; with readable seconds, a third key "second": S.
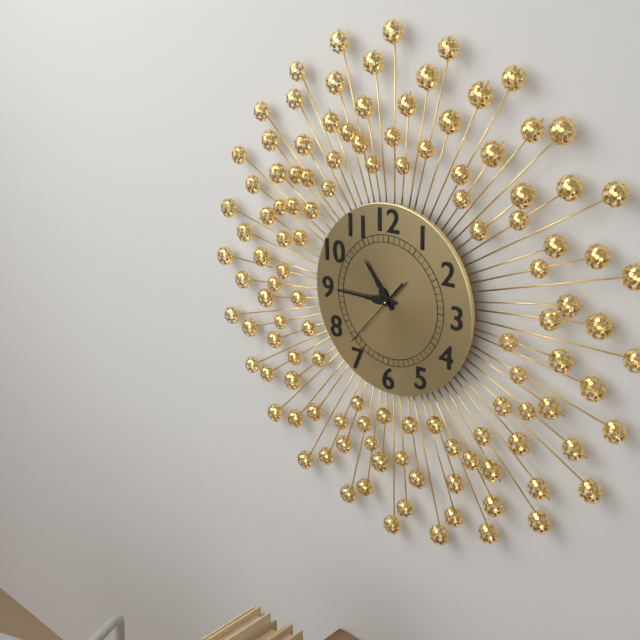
{"hour": 10, "minute": 45, "second": 37}
